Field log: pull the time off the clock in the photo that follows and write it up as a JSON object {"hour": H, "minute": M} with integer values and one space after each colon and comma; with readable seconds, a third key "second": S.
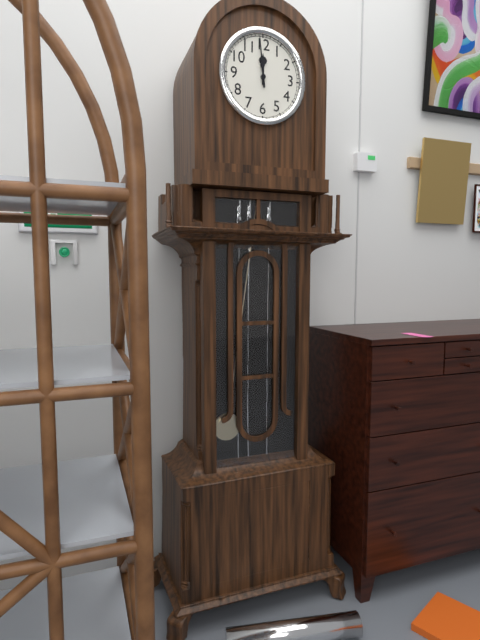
{"hour": 11, "minute": 59}
